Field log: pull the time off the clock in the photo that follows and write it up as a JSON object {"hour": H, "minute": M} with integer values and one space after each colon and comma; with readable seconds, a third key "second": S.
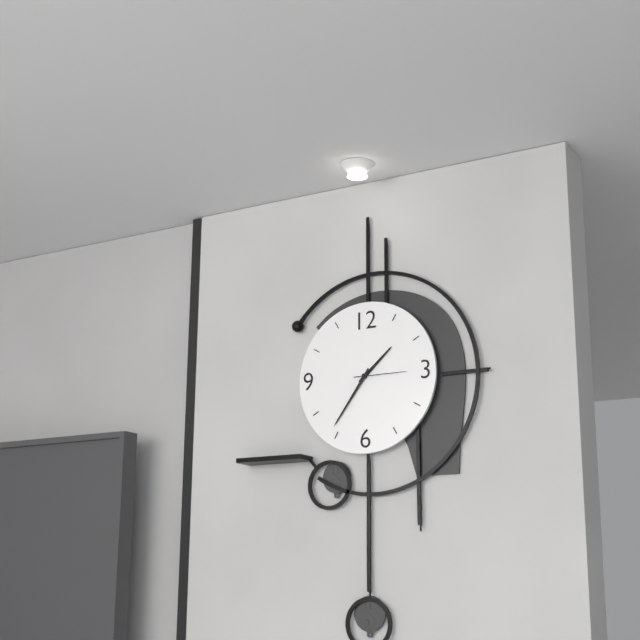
{"hour": 1, "minute": 36, "second": 15}
